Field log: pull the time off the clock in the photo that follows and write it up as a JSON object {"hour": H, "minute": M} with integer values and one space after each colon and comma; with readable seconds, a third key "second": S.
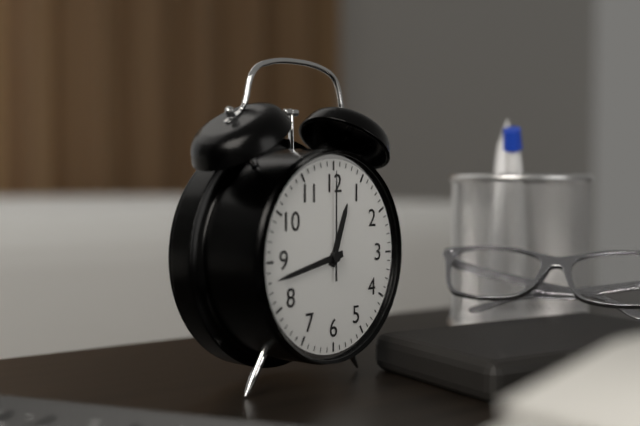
{"hour": 12, "minute": 43, "second": 0}
